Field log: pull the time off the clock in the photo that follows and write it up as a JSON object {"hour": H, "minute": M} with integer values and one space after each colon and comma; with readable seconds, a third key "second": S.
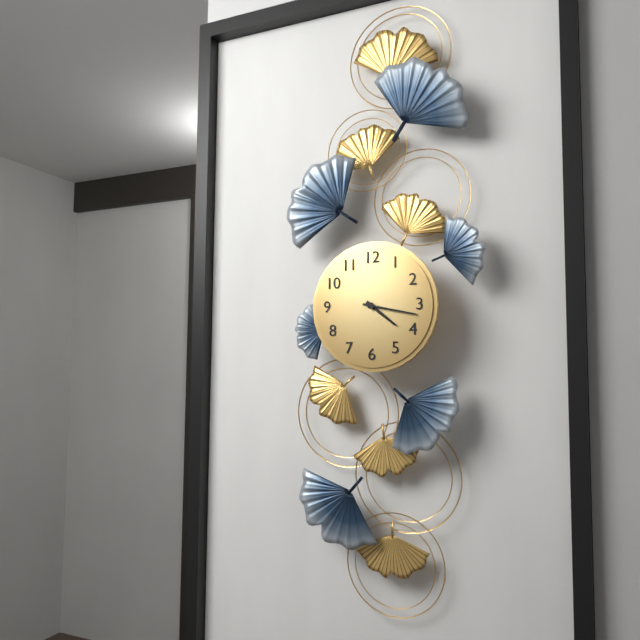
{"hour": 4, "minute": 17}
